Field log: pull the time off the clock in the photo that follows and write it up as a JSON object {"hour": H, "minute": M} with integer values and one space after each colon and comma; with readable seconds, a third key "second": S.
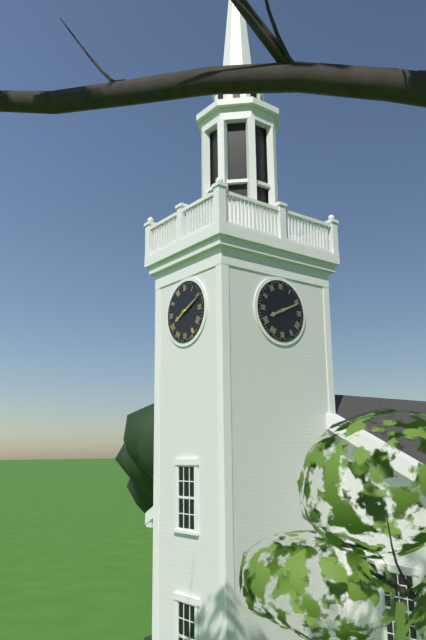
{"hour": 8, "minute": 11}
